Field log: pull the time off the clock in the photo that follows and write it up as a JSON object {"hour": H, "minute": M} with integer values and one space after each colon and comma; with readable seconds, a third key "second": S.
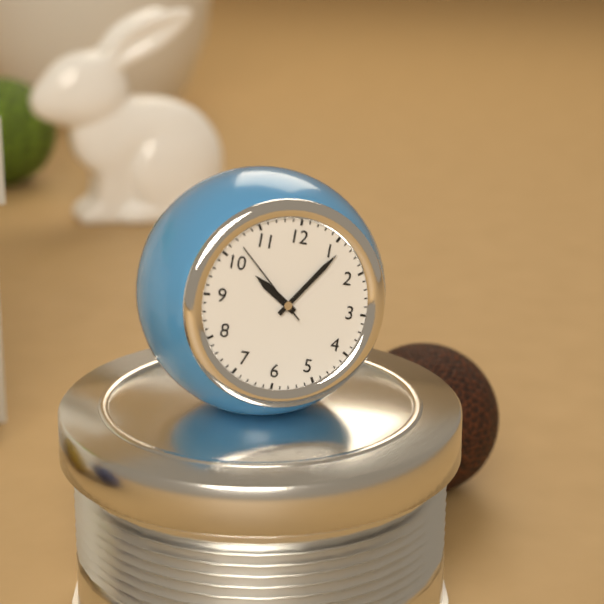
{"hour": 10, "minute": 6, "second": 52}
